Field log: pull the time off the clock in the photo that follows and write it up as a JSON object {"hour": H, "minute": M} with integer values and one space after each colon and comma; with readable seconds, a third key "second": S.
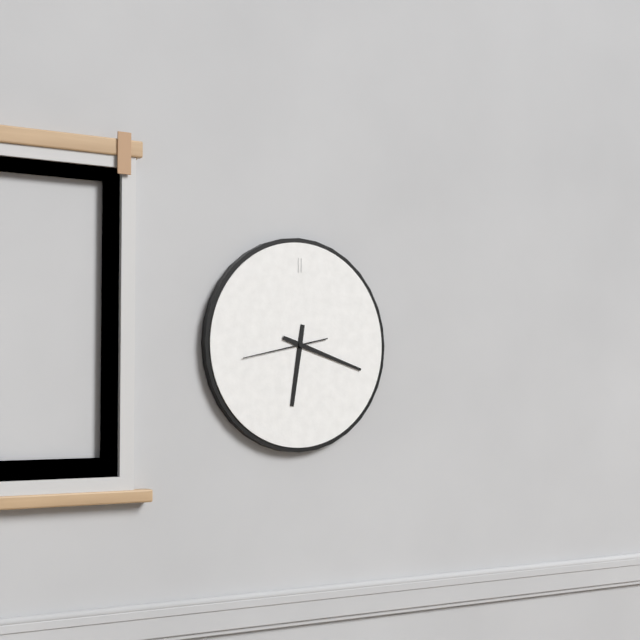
{"hour": 6, "minute": 18, "second": 43}
